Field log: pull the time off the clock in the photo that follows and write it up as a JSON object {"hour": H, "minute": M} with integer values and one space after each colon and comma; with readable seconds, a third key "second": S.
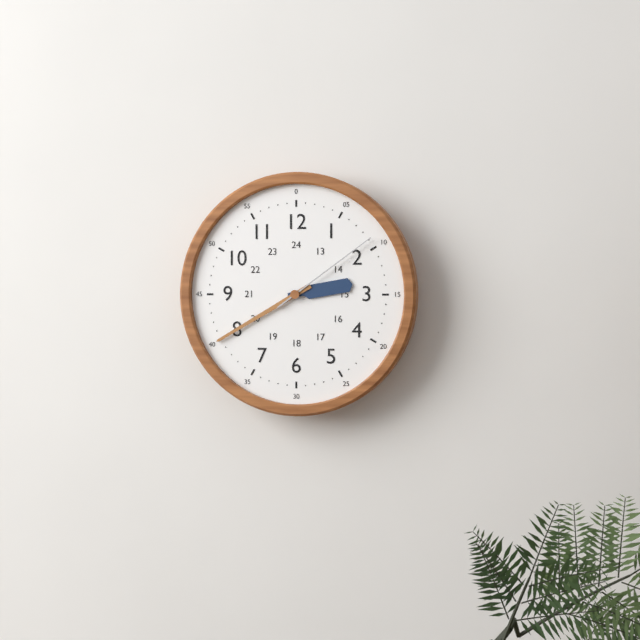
{"hour": 2, "minute": 40, "second": 9}
